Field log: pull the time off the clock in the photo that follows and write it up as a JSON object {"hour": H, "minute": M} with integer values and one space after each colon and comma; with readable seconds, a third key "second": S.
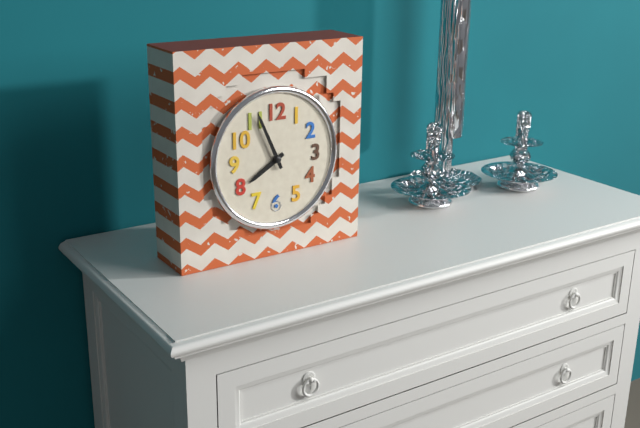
{"hour": 7, "minute": 56}
